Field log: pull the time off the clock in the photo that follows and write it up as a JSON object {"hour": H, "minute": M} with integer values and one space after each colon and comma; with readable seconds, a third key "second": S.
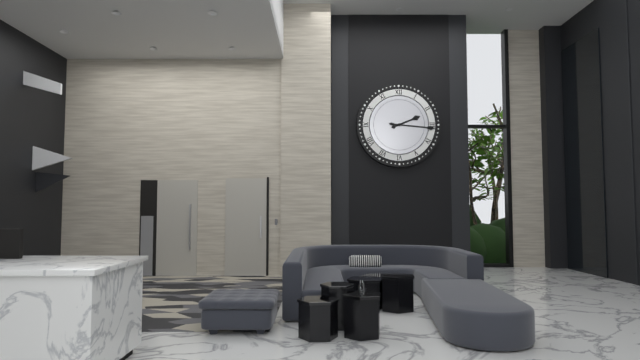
{"hour": 2, "minute": 16}
